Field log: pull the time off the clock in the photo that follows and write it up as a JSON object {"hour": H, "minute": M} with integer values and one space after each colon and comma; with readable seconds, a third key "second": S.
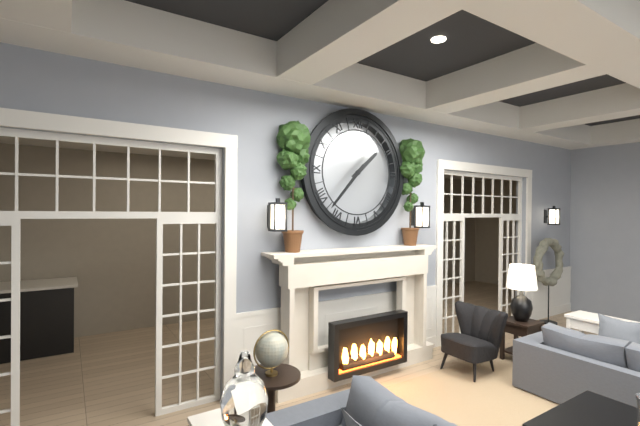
{"hour": 1, "minute": 37}
